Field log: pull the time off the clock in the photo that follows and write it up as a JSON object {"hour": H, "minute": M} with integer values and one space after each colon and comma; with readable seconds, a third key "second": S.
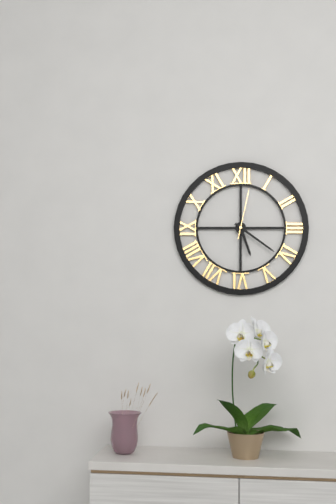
{"hour": 5, "minute": 21, "second": 2}
